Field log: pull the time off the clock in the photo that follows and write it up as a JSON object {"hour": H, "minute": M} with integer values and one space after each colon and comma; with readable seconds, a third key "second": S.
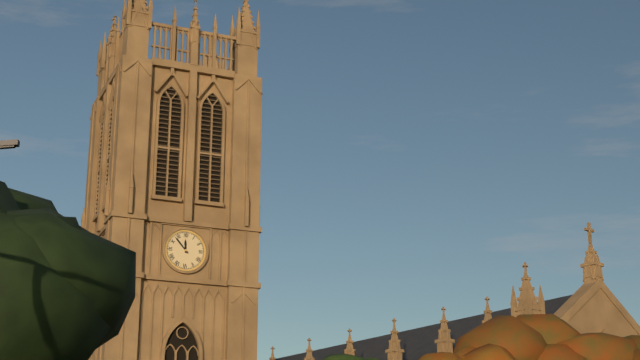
{"hour": 11, "minute": 53}
